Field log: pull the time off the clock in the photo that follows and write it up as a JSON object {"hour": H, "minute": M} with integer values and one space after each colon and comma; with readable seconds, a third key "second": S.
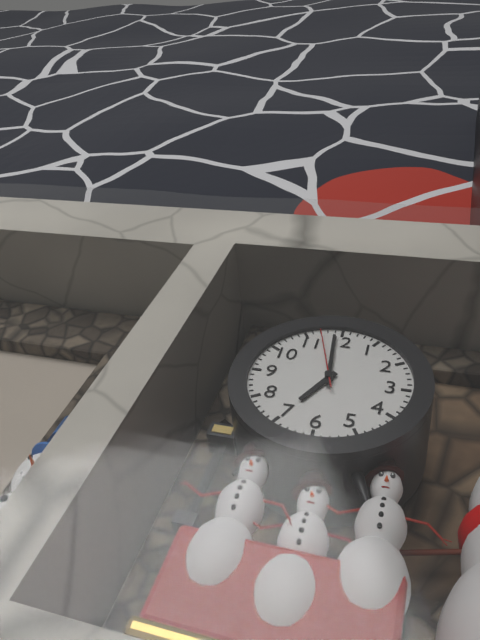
{"hour": 6, "minute": 59, "second": 57}
